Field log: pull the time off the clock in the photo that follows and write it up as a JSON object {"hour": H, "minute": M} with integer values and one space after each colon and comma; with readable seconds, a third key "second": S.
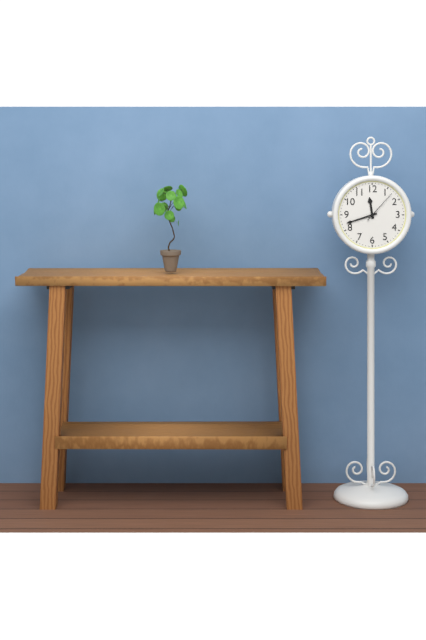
{"hour": 11, "minute": 42}
